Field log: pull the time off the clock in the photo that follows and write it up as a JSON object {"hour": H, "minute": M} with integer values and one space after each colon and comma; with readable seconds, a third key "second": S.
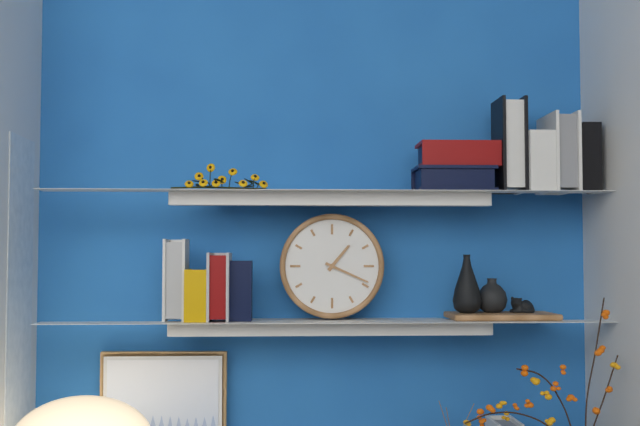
{"hour": 1, "minute": 19}
